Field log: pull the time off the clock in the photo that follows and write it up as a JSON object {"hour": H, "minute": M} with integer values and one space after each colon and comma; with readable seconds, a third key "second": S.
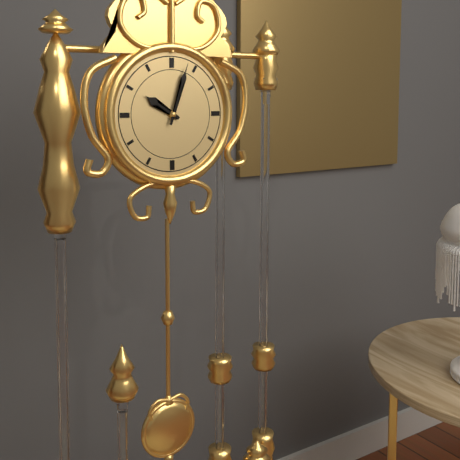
{"hour": 10, "minute": 3}
